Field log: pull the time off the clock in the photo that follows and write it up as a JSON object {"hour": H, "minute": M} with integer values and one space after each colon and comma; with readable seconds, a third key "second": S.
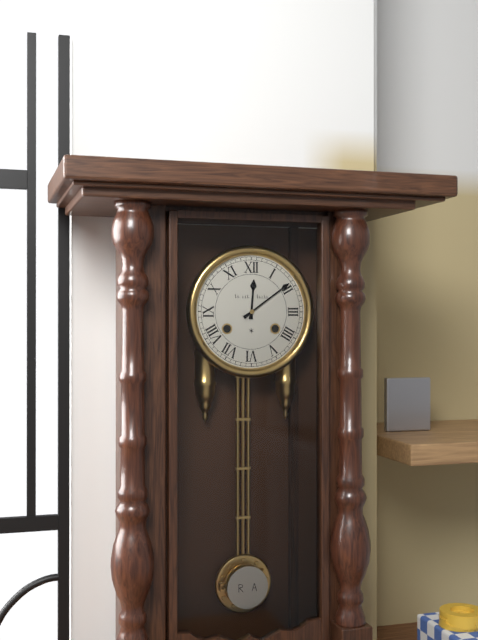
{"hour": 12, "minute": 9}
